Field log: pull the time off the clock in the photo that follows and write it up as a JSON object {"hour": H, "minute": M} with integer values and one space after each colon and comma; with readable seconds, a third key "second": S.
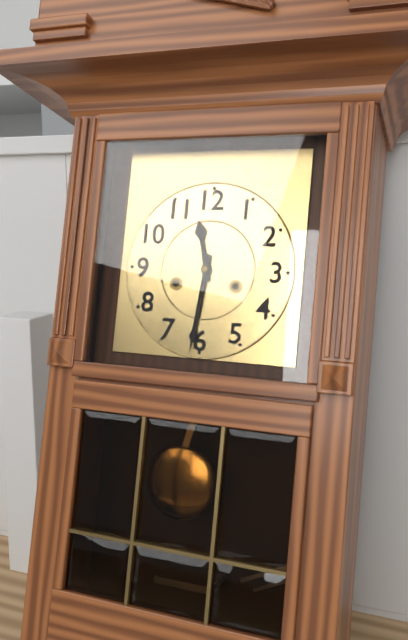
{"hour": 11, "minute": 31}
